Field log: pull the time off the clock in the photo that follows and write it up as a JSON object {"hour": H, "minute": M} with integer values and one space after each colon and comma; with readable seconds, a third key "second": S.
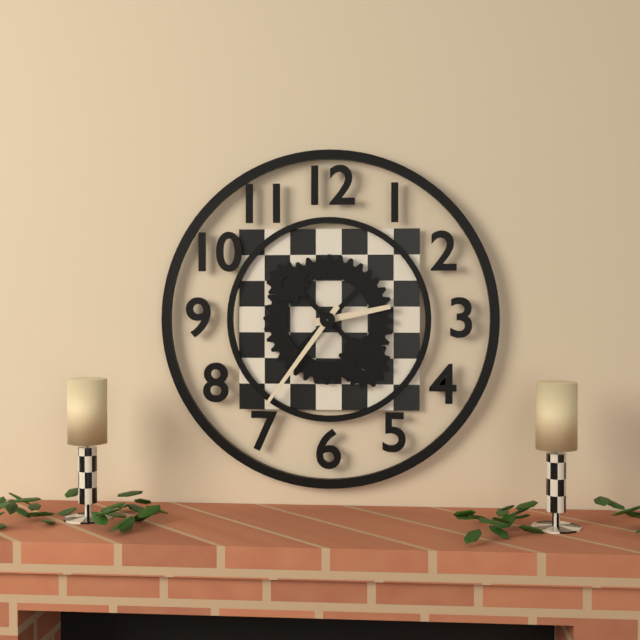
{"hour": 2, "minute": 36}
